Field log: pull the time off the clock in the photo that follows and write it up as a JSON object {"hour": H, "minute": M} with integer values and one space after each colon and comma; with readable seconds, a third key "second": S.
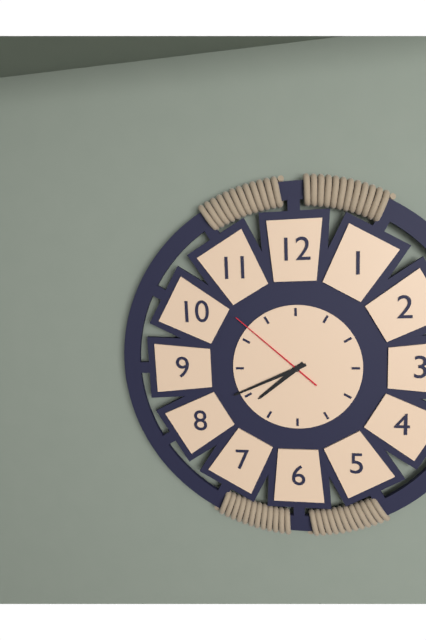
{"hour": 7, "minute": 41, "second": 52}
